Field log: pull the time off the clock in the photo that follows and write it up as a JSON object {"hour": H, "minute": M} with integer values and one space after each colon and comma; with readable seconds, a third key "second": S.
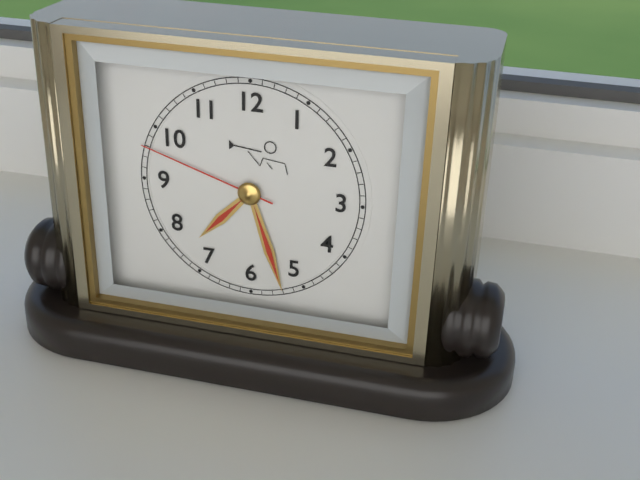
{"hour": 7, "minute": 27, "second": 48}
